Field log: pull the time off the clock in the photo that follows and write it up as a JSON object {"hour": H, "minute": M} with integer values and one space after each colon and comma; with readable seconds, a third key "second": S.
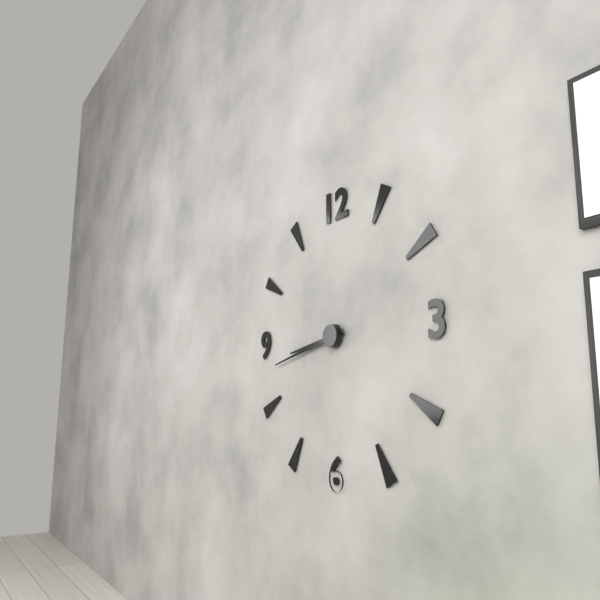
{"hour": 8, "minute": 43}
